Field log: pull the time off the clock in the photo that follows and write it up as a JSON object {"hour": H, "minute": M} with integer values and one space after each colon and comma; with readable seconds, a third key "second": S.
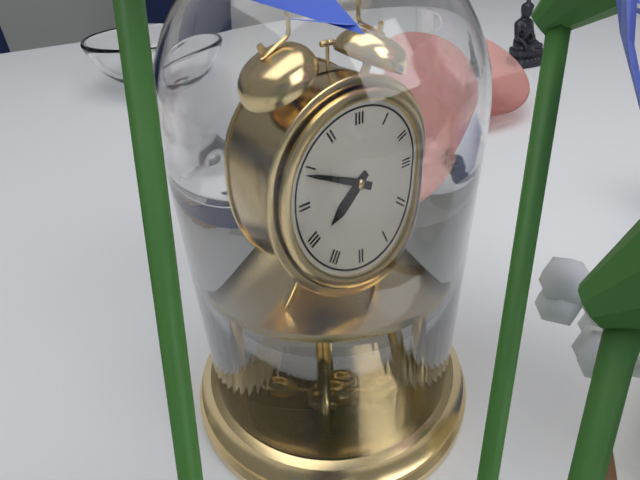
{"hour": 7, "minute": 49}
